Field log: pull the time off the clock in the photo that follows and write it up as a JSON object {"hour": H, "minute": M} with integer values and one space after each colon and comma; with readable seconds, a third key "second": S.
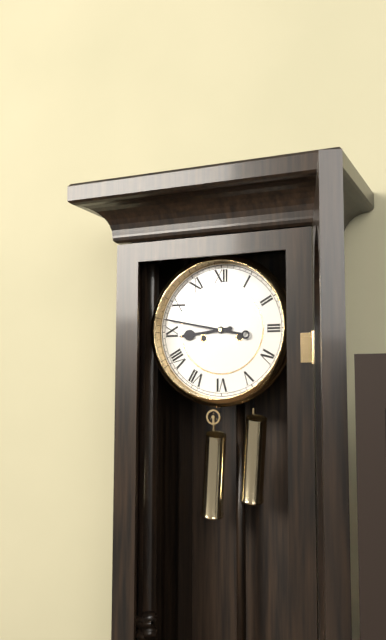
{"hour": 8, "minute": 47}
